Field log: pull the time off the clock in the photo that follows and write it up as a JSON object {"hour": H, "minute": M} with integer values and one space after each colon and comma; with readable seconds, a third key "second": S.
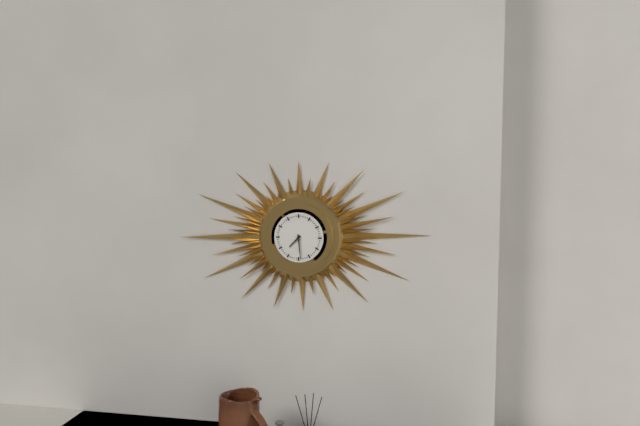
{"hour": 7, "minute": 29}
